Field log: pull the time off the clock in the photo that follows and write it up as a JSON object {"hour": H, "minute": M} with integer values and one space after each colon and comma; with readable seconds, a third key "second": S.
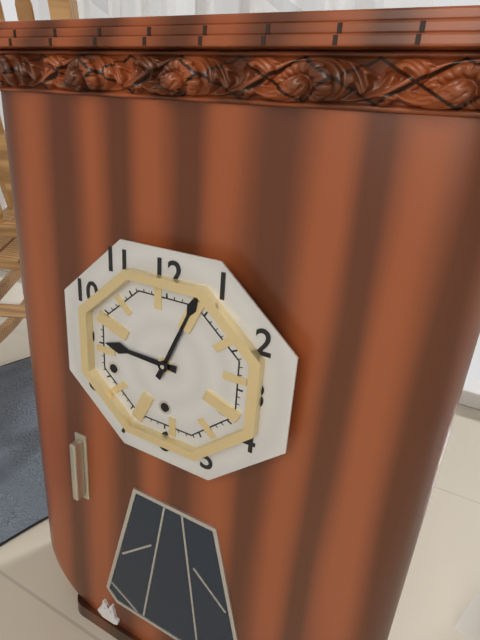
{"hour": 9, "minute": 4}
